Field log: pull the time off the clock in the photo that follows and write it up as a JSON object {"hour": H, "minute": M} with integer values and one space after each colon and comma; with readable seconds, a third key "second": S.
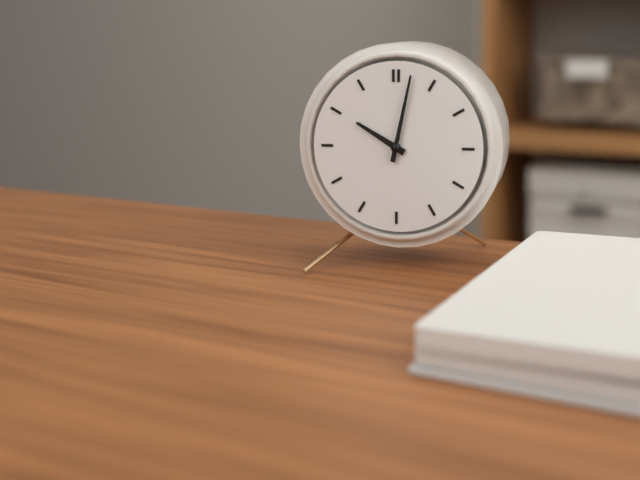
{"hour": 10, "minute": 2}
